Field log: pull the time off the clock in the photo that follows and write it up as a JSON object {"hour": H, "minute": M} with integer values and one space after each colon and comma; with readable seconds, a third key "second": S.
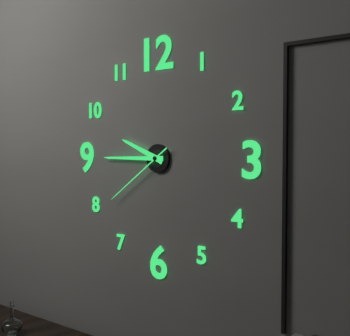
{"hour": 9, "minute": 45, "second": 39}
